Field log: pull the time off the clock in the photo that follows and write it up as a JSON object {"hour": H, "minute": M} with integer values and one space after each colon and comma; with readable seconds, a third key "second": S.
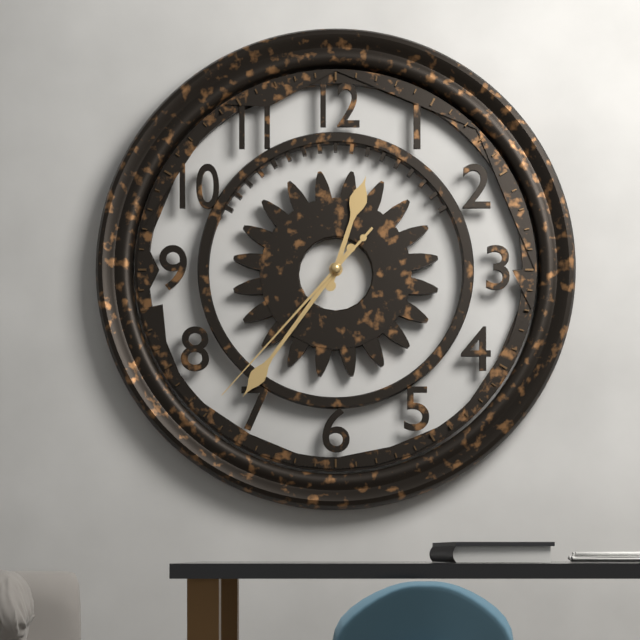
{"hour": 12, "minute": 36, "second": 37}
